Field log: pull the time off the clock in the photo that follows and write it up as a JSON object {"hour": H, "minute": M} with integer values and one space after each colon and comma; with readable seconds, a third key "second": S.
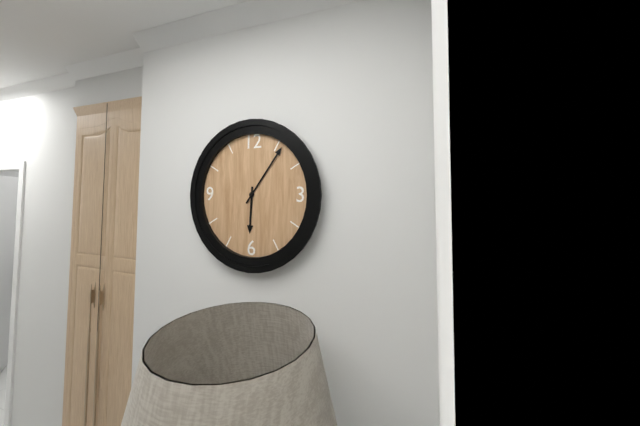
{"hour": 6, "minute": 6}
